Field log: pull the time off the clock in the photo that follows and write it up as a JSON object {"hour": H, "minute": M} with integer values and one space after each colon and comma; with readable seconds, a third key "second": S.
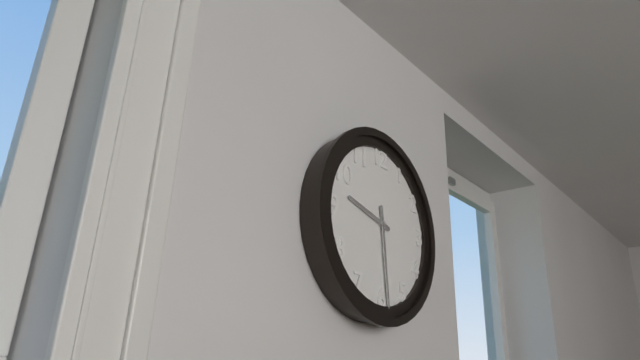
{"hour": 9, "minute": 29}
